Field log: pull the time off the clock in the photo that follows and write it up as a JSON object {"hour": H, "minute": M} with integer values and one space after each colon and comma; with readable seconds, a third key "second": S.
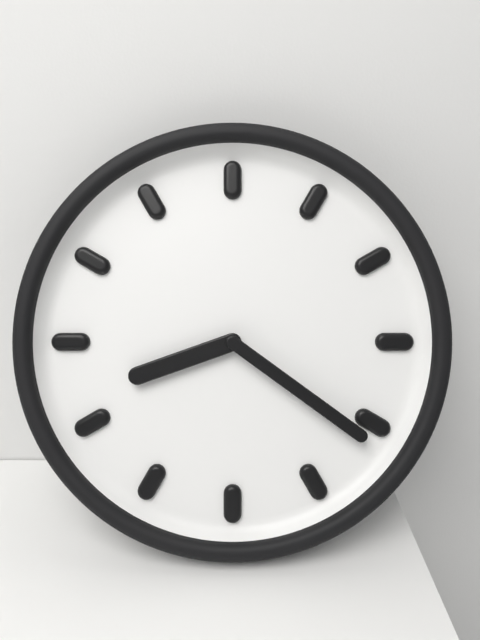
{"hour": 8, "minute": 21}
